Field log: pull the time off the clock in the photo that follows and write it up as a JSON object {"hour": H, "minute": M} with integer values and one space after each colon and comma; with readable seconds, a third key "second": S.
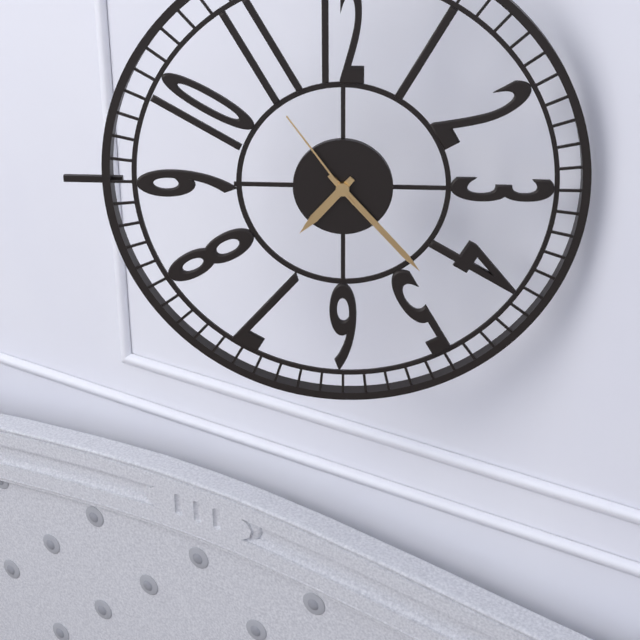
{"hour": 7, "minute": 23, "second": 54}
